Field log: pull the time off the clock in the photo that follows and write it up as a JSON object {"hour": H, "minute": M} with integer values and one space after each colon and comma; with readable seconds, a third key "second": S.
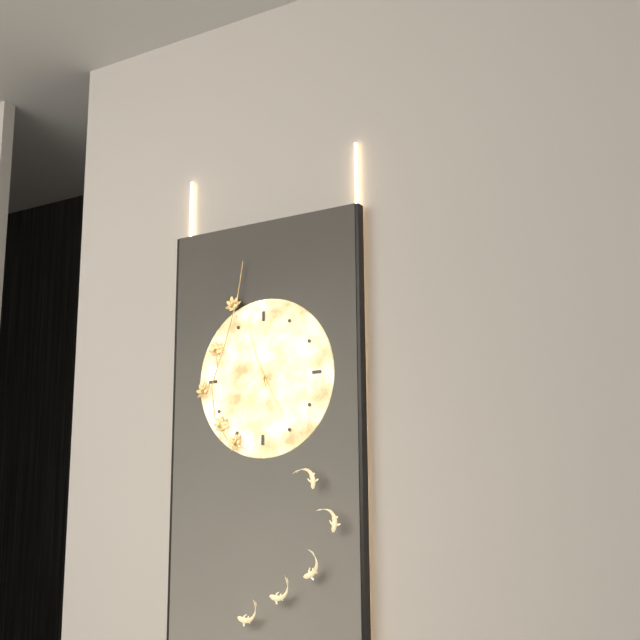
{"hour": 4, "minute": 57}
